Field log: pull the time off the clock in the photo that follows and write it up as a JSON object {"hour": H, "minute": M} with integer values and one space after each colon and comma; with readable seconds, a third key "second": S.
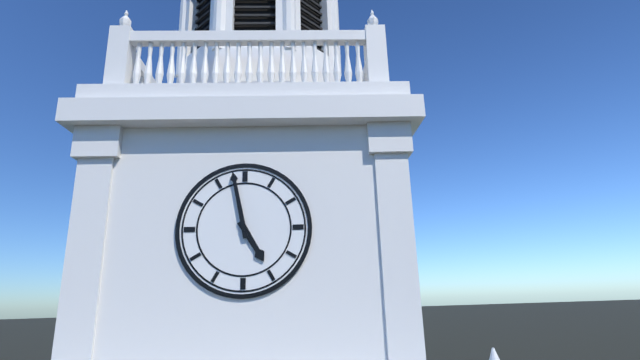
{"hour": 4, "minute": 58}
